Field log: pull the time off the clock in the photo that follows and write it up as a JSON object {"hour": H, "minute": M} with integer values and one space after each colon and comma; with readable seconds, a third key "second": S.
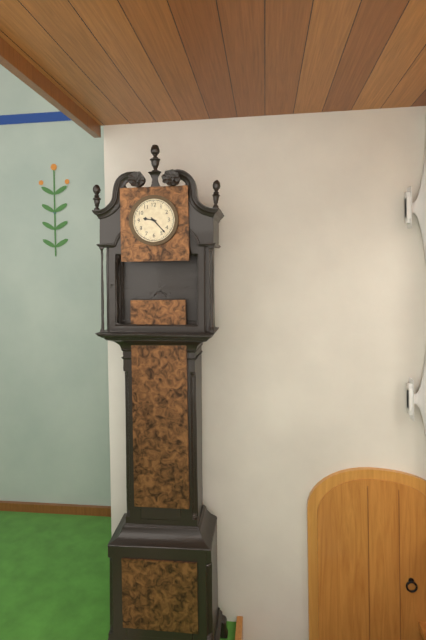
{"hour": 9, "minute": 23}
